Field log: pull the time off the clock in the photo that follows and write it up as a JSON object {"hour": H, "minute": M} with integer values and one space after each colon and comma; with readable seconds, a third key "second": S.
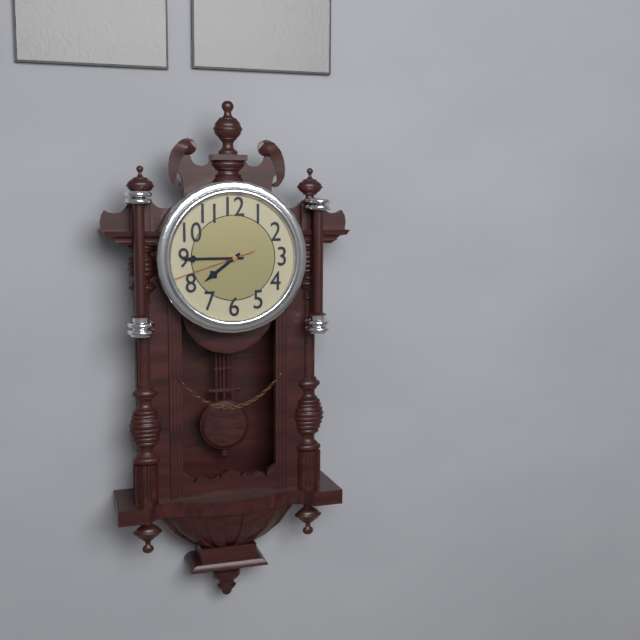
{"hour": 7, "minute": 45, "second": 42}
